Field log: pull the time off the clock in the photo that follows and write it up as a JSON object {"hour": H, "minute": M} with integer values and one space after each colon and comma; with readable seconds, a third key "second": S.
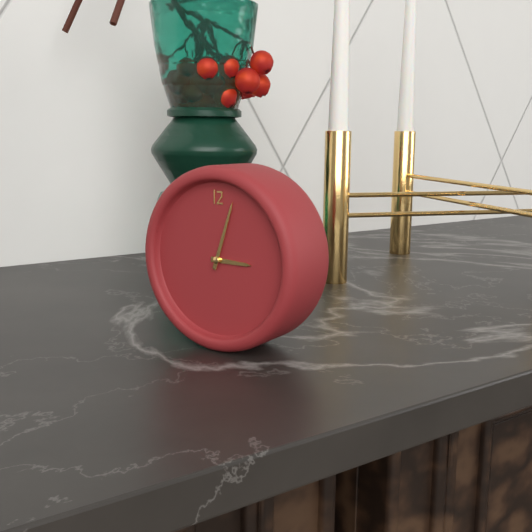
{"hour": 3, "minute": 3}
